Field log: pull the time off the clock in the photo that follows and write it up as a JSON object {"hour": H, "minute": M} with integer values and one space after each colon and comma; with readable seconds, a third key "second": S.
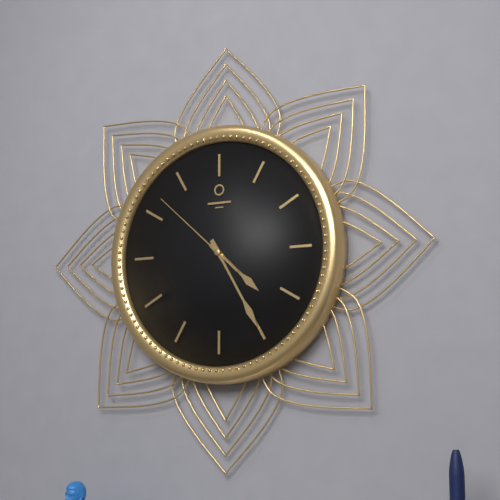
{"hour": 4, "minute": 25, "second": 52}
